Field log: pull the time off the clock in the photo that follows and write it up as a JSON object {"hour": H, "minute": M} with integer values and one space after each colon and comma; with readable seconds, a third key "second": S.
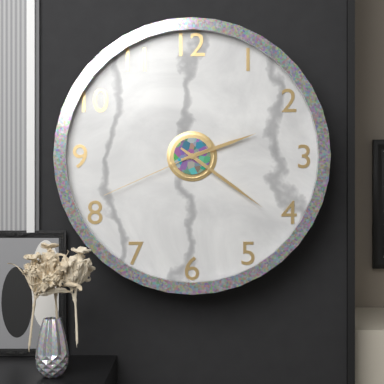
{"hour": 2, "minute": 21, "second": 41}
